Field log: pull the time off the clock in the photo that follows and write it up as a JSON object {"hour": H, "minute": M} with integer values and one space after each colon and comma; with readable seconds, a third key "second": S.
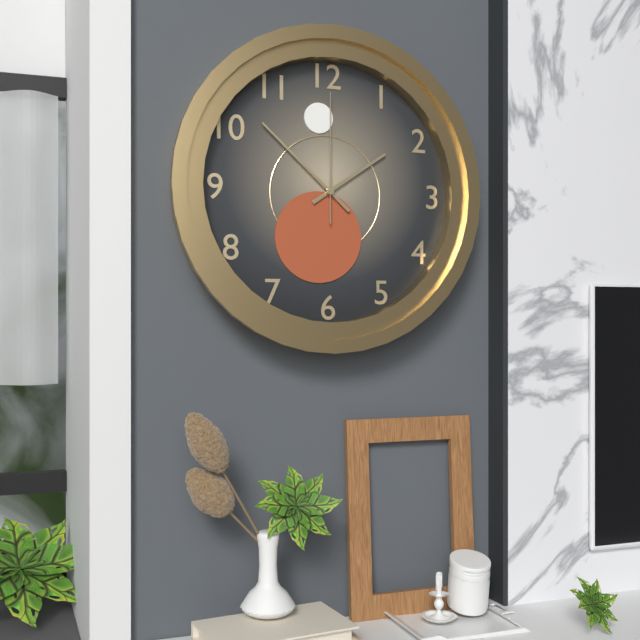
{"hour": 1, "minute": 52, "second": 0}
